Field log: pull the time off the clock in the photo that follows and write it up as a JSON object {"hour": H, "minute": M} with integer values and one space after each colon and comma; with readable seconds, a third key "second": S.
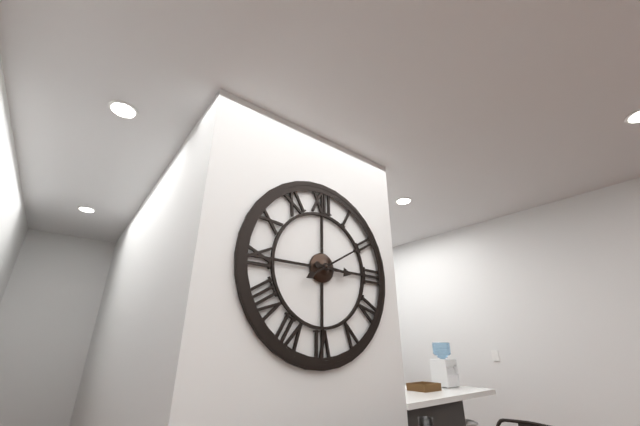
{"hour": 3, "minute": 10}
